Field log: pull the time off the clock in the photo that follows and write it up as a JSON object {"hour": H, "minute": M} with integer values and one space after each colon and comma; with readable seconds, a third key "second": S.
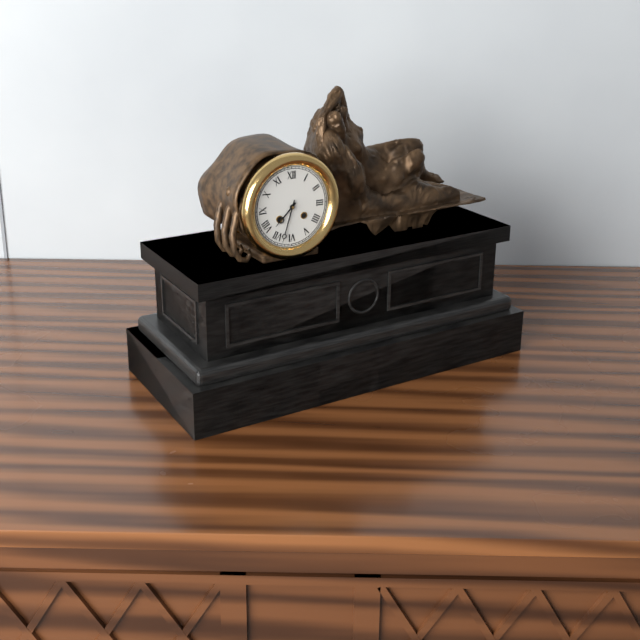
{"hour": 7, "minute": 33}
